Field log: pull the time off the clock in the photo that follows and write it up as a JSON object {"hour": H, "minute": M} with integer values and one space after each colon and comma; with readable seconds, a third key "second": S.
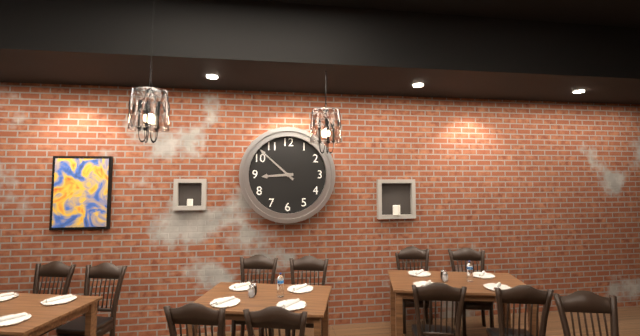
{"hour": 8, "minute": 52}
